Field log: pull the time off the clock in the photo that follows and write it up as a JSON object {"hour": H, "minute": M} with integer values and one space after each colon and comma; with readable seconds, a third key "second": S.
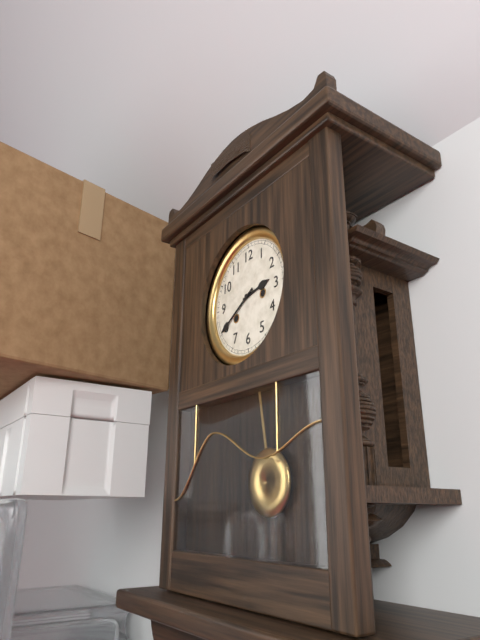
{"hour": 2, "minute": 40}
